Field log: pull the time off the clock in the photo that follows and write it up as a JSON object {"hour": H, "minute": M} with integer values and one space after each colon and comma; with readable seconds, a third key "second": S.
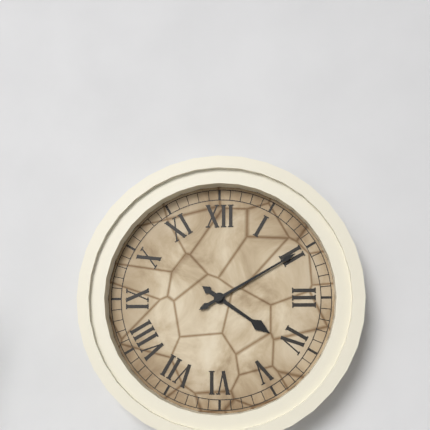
{"hour": 4, "minute": 10}
